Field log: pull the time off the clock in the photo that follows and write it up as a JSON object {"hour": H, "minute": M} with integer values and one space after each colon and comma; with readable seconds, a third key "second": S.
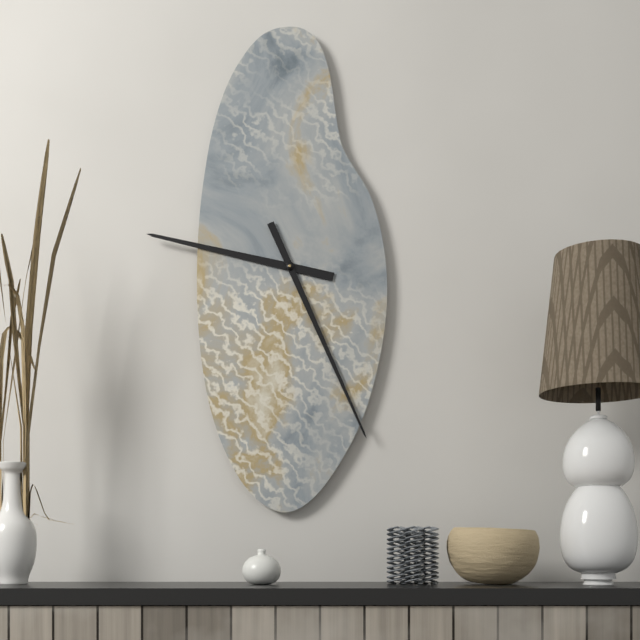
{"hour": 9, "minute": 26}
